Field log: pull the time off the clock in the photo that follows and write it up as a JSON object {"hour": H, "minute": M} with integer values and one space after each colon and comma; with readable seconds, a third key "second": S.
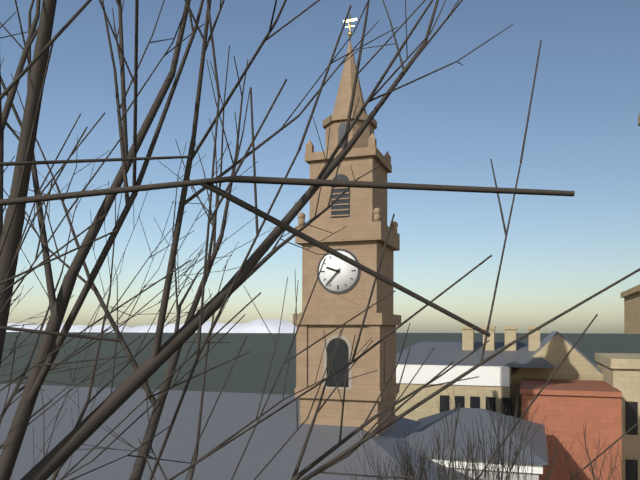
{"hour": 9, "minute": 37}
